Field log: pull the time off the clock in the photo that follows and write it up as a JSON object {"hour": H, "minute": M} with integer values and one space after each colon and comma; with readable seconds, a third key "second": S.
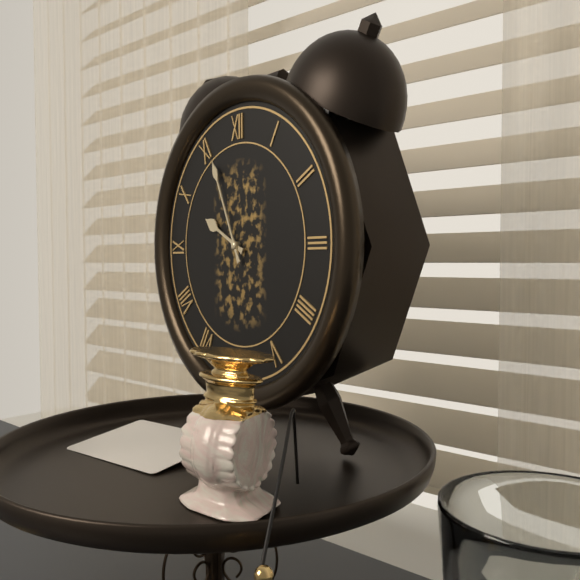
{"hour": 9, "minute": 56}
